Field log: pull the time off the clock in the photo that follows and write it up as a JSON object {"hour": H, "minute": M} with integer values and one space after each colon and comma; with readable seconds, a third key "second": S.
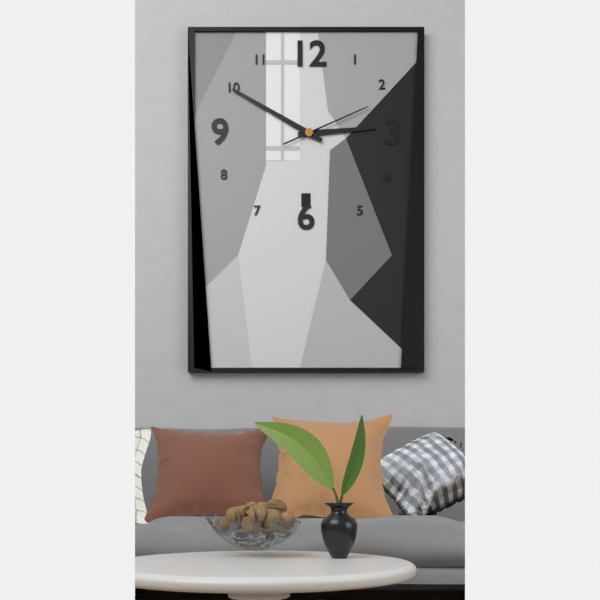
{"hour": 2, "minute": 50, "second": 11}
